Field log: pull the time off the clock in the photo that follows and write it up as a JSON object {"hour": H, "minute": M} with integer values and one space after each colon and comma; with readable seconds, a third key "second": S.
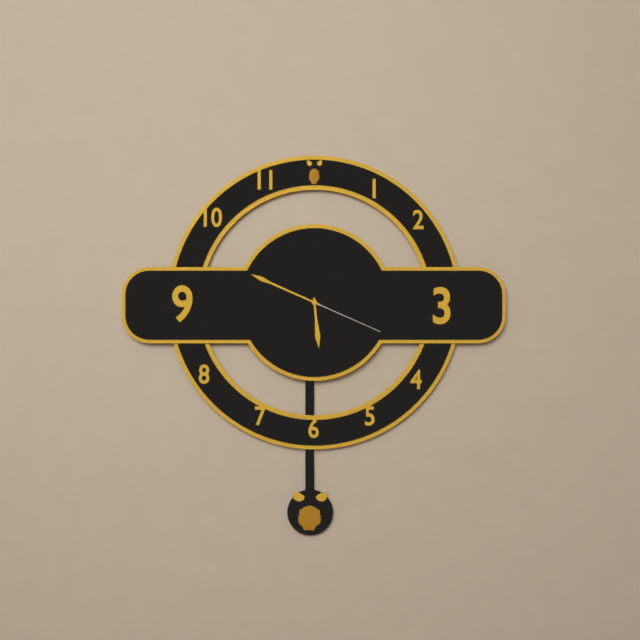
{"hour": 5, "minute": 49, "second": 19}
